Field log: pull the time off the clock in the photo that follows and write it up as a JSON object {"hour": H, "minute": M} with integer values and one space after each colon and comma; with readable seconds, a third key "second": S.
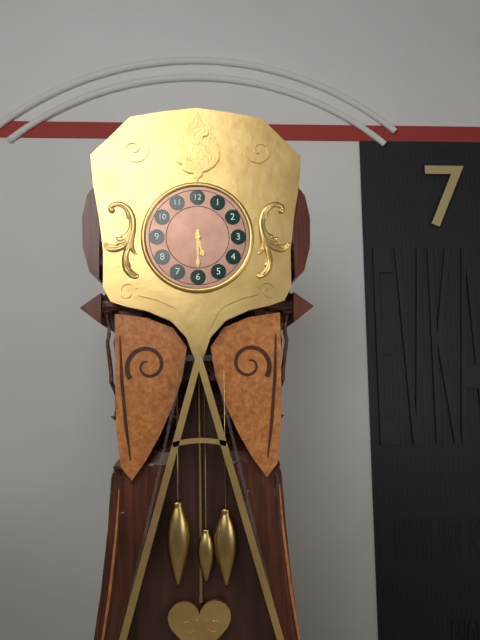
{"hour": 5, "minute": 30}
